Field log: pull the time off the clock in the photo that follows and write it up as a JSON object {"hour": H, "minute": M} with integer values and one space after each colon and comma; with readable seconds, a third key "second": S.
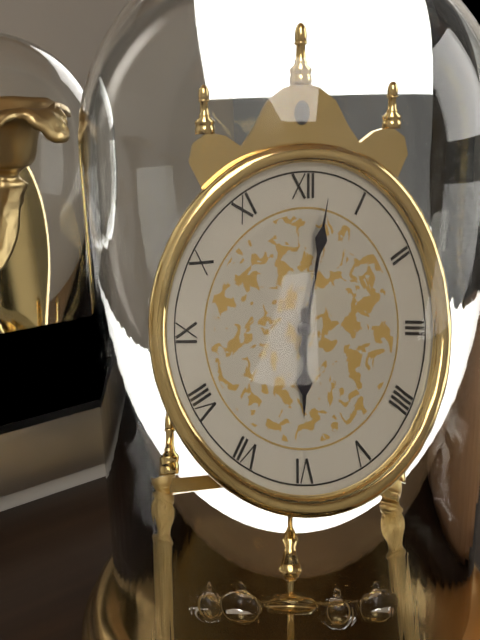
{"hour": 6, "minute": 2}
